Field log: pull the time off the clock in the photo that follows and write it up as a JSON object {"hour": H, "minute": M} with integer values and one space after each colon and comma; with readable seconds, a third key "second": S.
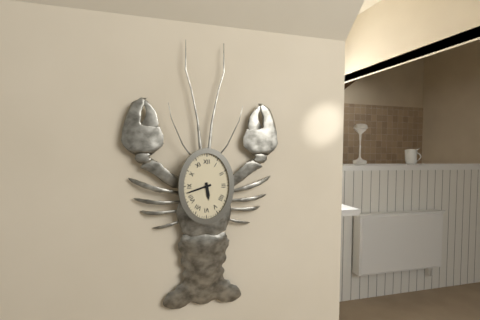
{"hour": 5, "minute": 42}
